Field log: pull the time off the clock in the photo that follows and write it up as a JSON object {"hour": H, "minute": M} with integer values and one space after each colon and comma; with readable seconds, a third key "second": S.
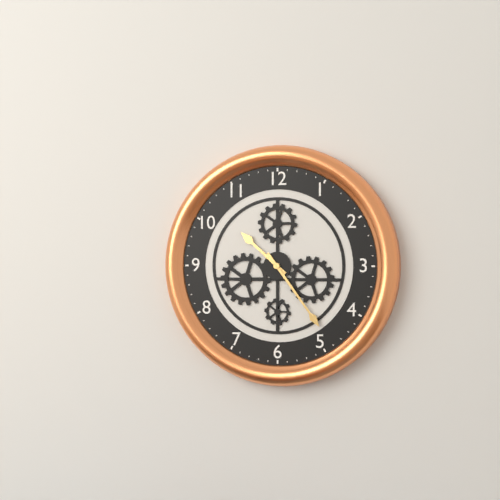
{"hour": 10, "minute": 24}
